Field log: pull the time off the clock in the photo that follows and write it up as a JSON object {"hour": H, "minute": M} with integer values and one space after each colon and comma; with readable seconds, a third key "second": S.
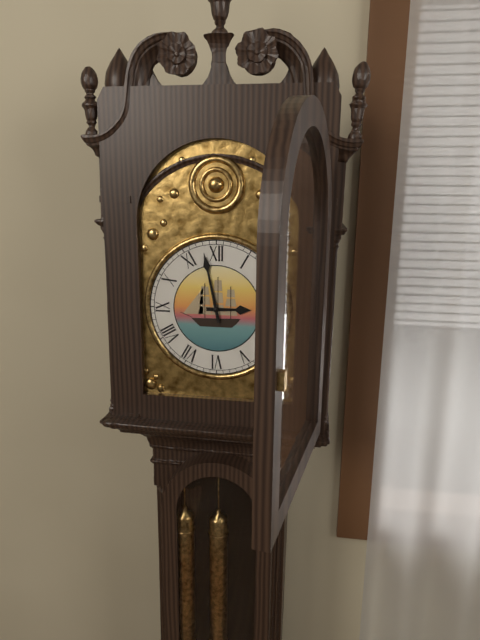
{"hour": 2, "minute": 58}
